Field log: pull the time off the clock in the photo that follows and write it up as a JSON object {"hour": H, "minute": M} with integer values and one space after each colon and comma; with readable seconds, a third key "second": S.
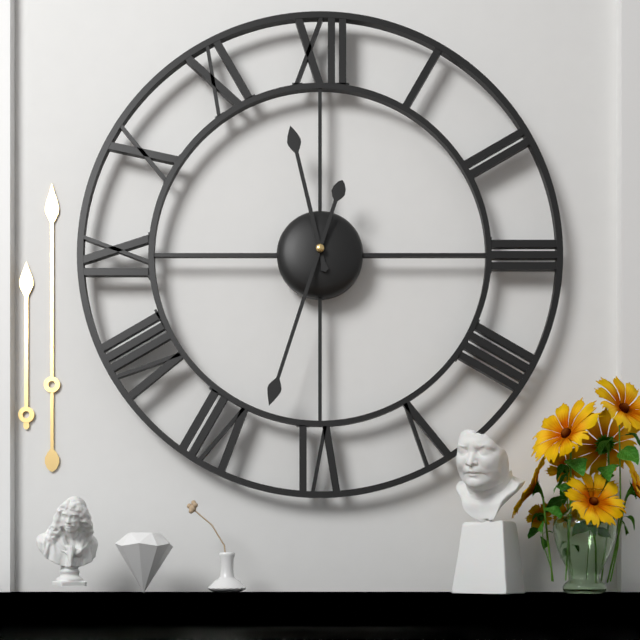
{"hour": 11, "minute": 33}
